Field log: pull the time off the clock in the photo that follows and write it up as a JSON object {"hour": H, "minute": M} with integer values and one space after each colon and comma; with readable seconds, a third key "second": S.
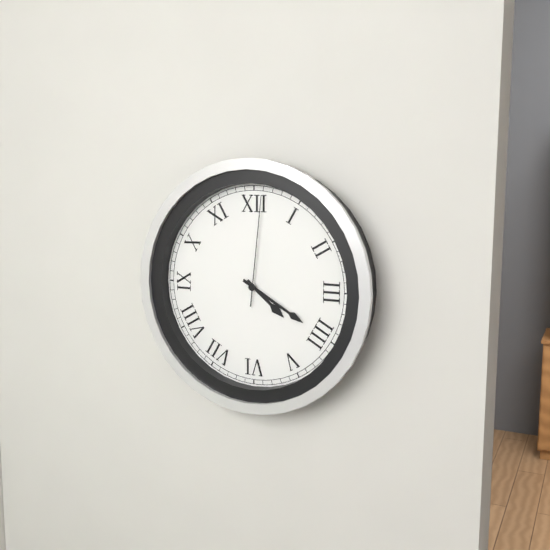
{"hour": 4, "minute": 20, "second": 1}
